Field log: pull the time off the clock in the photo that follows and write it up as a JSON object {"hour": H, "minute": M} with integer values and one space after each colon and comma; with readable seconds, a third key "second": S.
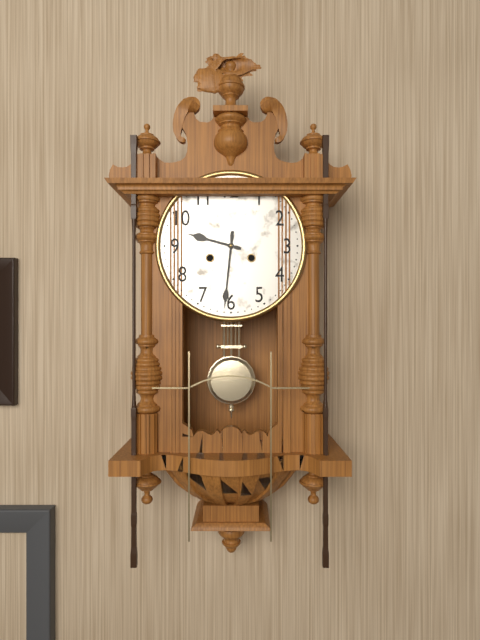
{"hour": 9, "minute": 31}
